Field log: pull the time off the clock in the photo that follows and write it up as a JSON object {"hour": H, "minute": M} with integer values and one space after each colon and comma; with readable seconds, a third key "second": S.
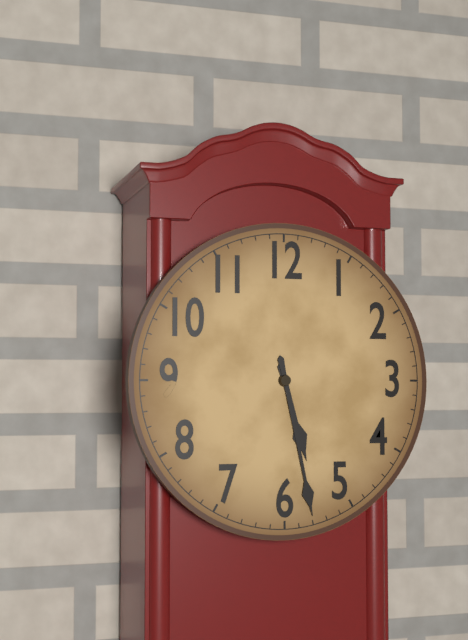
{"hour": 5, "minute": 28}
